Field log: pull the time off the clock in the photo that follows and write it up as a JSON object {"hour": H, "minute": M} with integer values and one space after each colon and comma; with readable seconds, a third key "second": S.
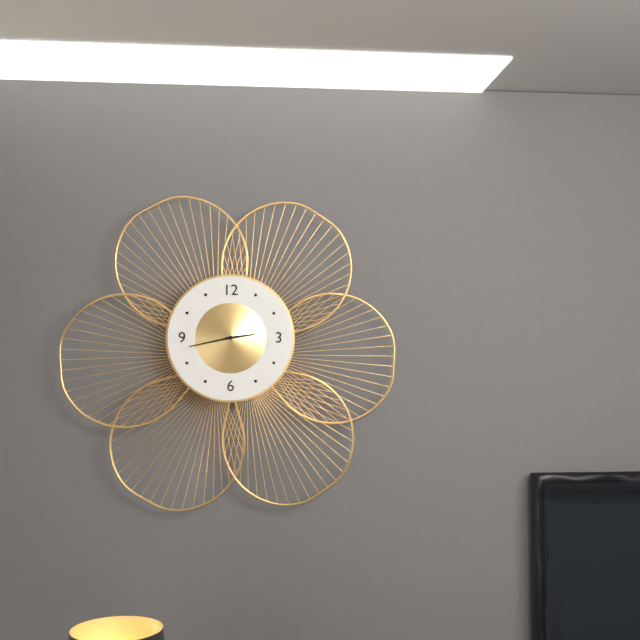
{"hour": 2, "minute": 43}
